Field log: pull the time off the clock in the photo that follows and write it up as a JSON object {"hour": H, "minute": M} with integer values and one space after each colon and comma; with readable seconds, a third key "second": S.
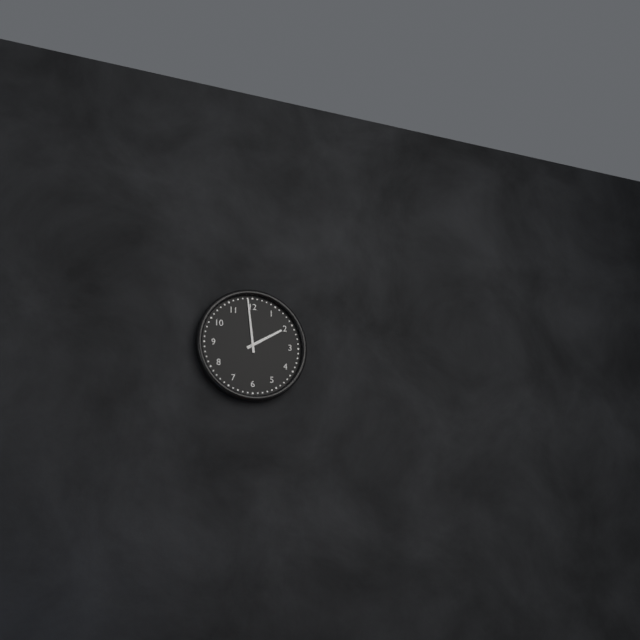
{"hour": 1, "minute": 59}
